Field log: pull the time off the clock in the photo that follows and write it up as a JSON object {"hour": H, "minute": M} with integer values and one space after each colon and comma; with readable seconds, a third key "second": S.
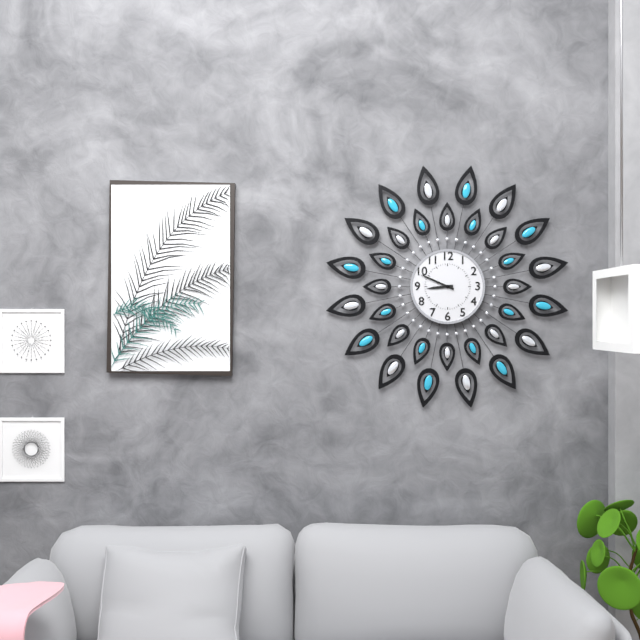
{"hour": 8, "minute": 49}
